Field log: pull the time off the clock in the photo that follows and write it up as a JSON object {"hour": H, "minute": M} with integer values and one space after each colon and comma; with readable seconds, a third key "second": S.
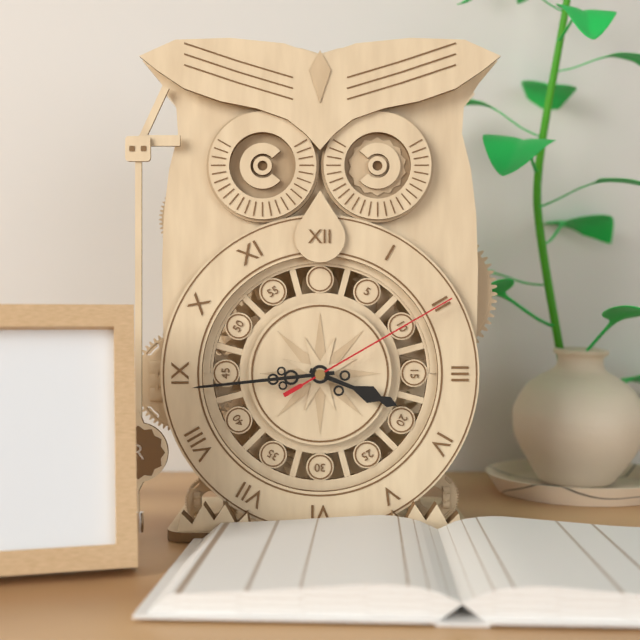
{"hour": 3, "minute": 44, "second": 10}
